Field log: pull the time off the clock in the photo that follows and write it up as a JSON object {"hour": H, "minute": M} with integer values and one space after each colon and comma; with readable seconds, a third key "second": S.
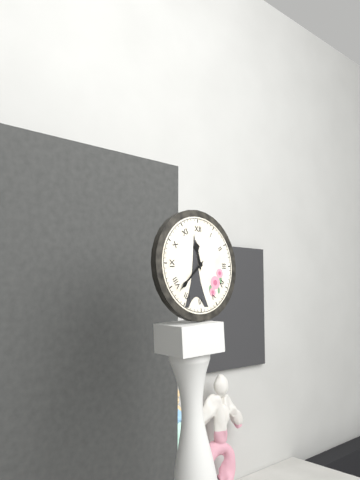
{"hour": 11, "minute": 38}
